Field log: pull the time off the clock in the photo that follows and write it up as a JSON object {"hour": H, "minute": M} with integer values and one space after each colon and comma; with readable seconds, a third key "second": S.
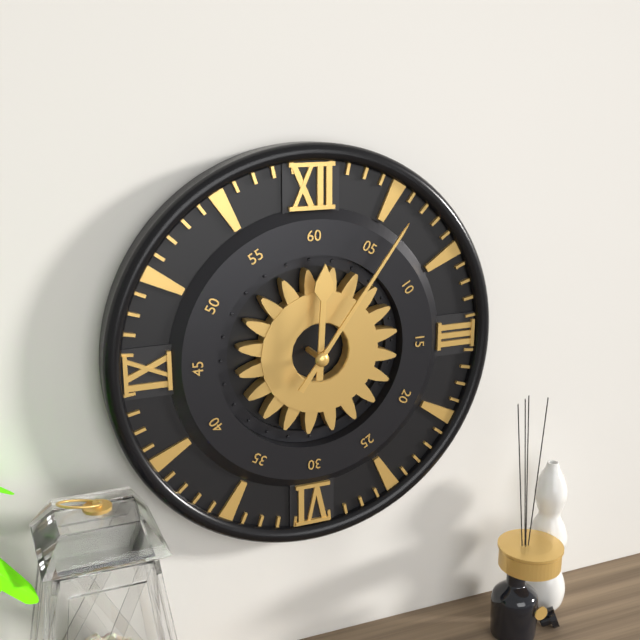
{"hour": 12, "minute": 6}
